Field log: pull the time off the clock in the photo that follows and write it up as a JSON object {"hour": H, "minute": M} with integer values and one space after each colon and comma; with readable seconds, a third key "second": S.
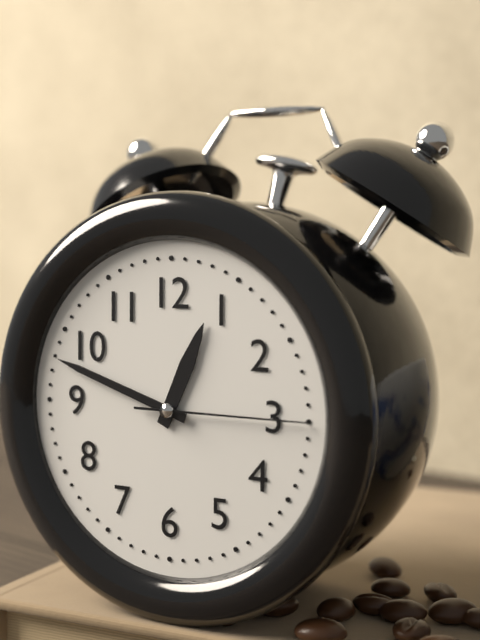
{"hour": 12, "minute": 48, "second": 15}
